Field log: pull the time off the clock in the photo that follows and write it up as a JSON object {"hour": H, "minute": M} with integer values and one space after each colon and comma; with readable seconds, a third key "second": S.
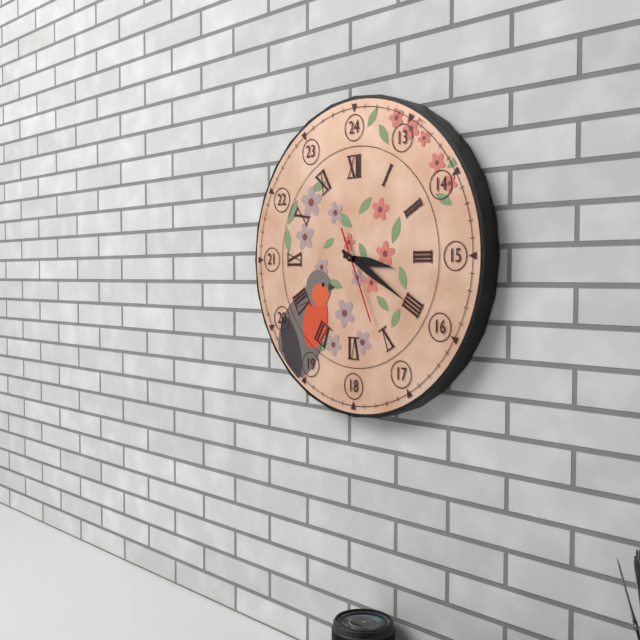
{"hour": 3, "minute": 20, "second": 26}
